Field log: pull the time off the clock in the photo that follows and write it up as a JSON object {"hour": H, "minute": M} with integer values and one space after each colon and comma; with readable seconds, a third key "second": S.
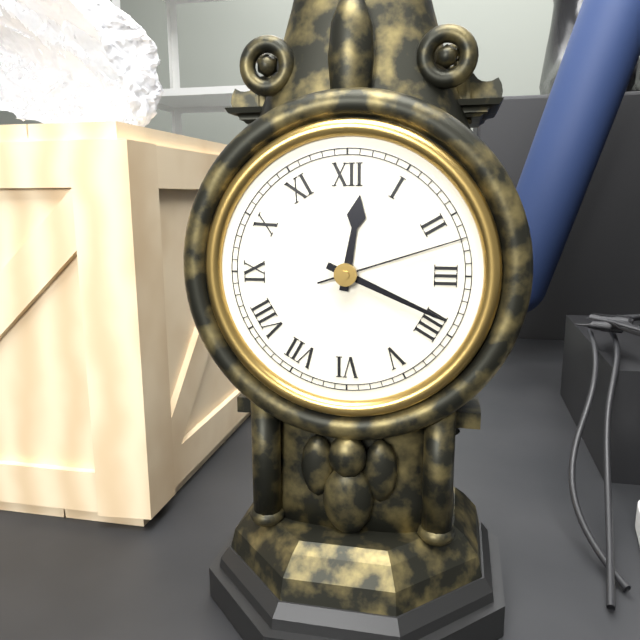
{"hour": 12, "minute": 19, "second": 12}
